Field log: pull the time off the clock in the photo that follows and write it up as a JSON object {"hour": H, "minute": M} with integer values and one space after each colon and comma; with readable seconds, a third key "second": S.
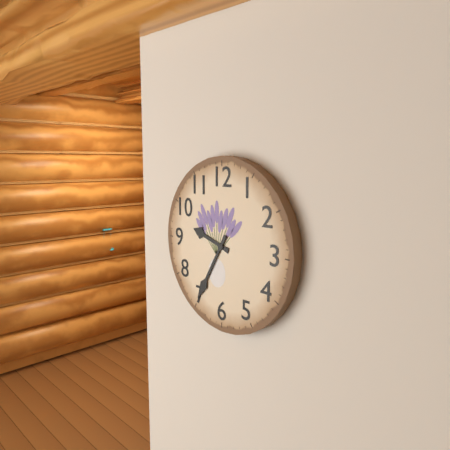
{"hour": 9, "minute": 35}
